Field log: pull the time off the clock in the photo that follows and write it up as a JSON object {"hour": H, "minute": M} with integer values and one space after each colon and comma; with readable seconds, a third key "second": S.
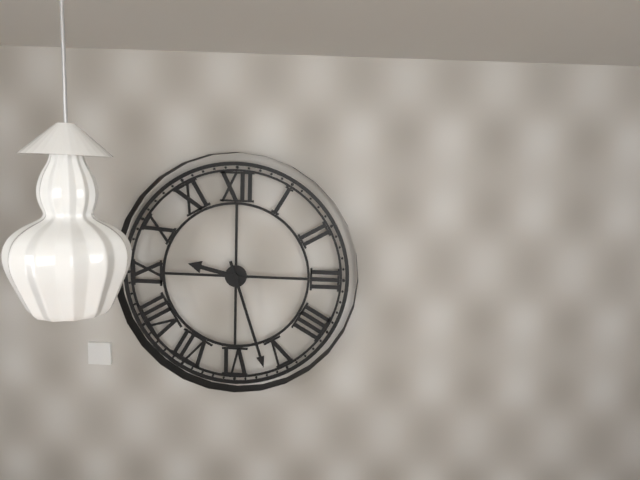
{"hour": 9, "minute": 27}
